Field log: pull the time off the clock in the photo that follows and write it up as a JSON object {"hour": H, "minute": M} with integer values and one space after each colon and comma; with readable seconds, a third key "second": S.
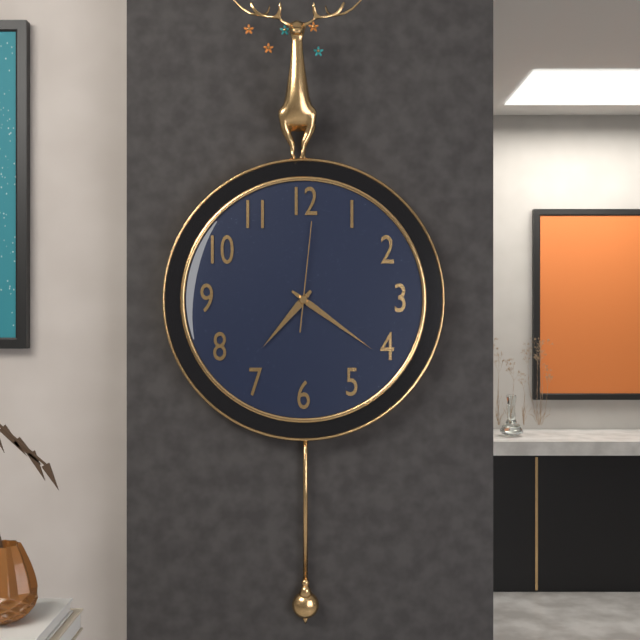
{"hour": 7, "minute": 21, "second": 1}
